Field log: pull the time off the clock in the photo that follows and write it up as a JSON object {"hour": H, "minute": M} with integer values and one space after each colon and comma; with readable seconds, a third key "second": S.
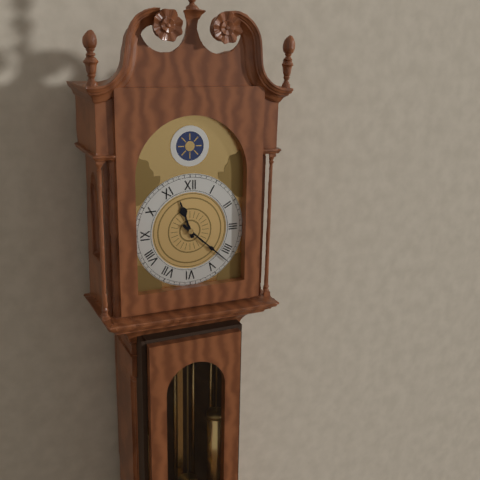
{"hour": 11, "minute": 22}
